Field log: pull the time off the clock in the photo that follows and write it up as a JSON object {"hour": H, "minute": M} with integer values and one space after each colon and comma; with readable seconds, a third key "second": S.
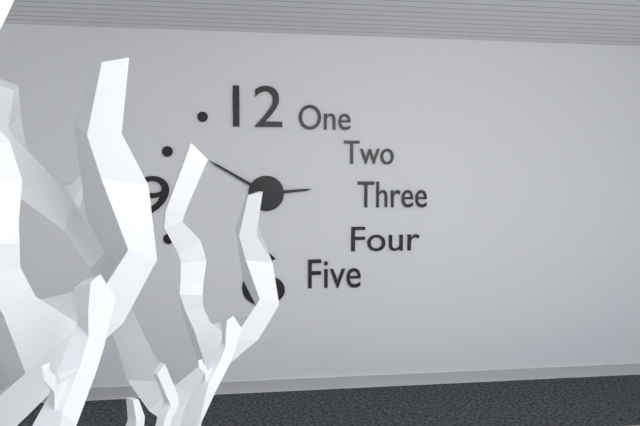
{"hour": 2, "minute": 50}
